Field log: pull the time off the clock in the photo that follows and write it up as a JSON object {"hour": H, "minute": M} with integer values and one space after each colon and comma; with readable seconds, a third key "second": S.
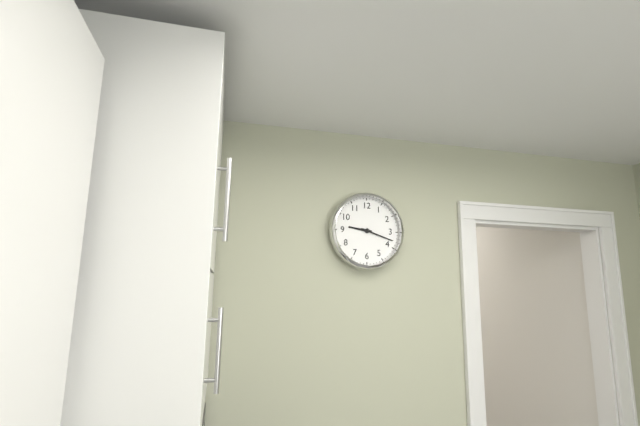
{"hour": 9, "minute": 18}
